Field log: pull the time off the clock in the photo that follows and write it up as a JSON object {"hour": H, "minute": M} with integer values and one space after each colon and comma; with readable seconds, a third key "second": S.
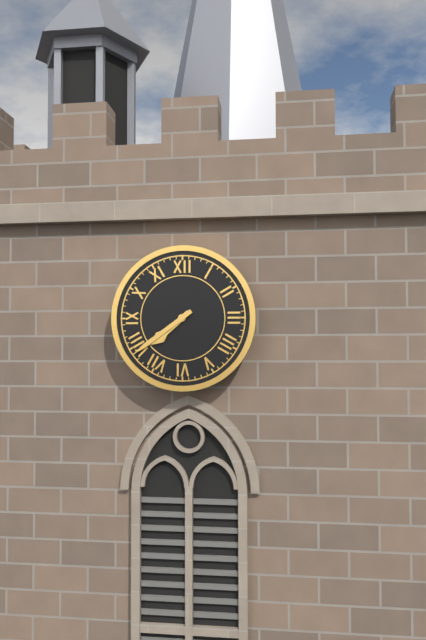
{"hour": 7, "minute": 39}
